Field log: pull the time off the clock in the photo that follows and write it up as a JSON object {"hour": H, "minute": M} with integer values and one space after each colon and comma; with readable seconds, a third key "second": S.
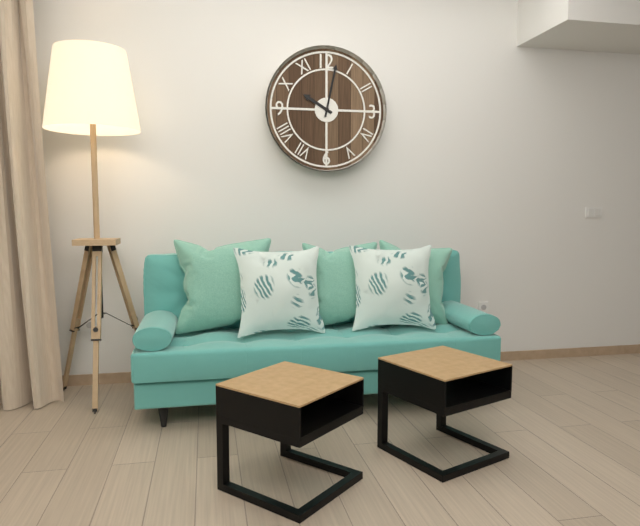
{"hour": 10, "minute": 2}
